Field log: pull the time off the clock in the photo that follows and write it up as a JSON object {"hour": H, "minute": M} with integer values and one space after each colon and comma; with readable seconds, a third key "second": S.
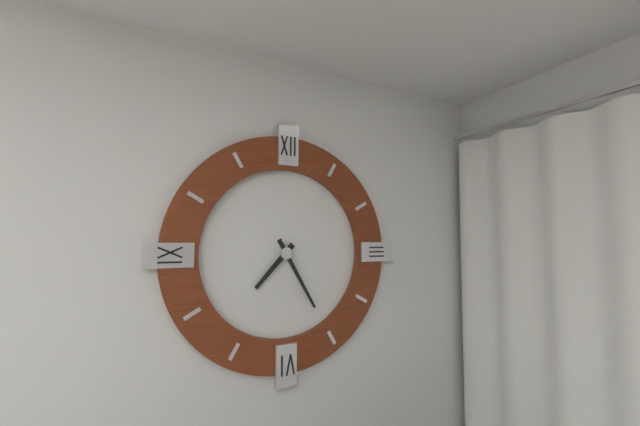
{"hour": 7, "minute": 25}
